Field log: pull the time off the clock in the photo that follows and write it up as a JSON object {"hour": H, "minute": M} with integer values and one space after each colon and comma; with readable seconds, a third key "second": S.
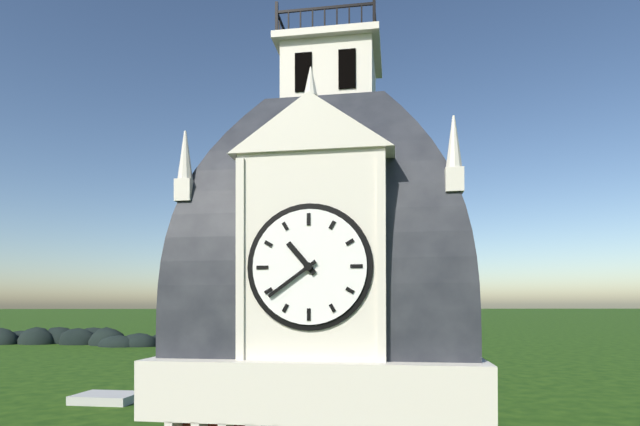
{"hour": 10, "minute": 39}
